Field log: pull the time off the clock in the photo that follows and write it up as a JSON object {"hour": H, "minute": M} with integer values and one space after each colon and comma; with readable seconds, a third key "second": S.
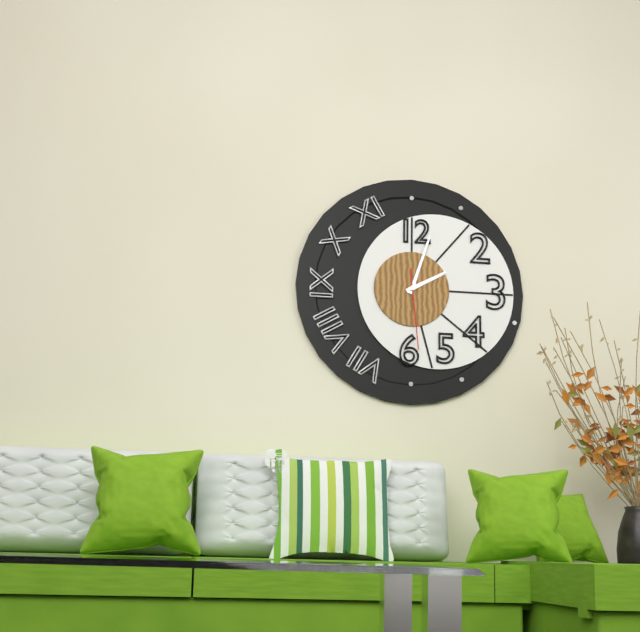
{"hour": 2, "minute": 3, "second": 29}
